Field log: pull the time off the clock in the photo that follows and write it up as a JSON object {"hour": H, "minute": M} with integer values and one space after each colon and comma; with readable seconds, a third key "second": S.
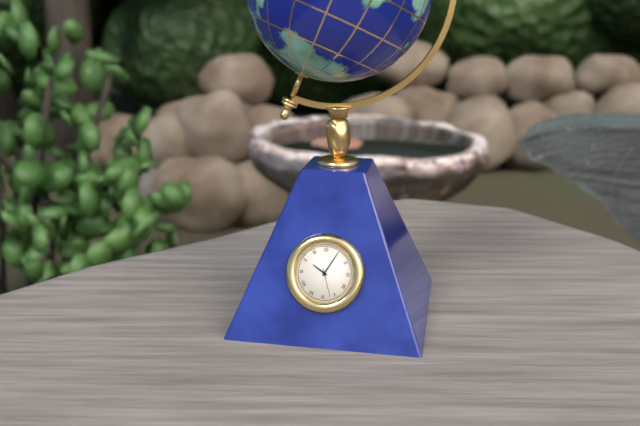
{"hour": 10, "minute": 5}
